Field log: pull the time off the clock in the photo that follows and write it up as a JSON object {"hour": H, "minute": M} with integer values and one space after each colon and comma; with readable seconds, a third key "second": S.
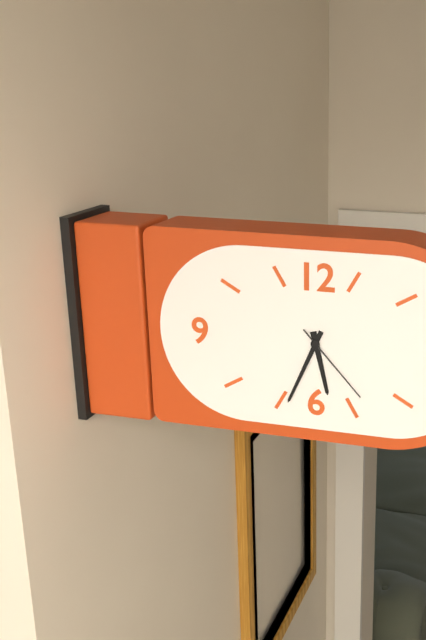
{"hour": 5, "minute": 34, "second": 23}
